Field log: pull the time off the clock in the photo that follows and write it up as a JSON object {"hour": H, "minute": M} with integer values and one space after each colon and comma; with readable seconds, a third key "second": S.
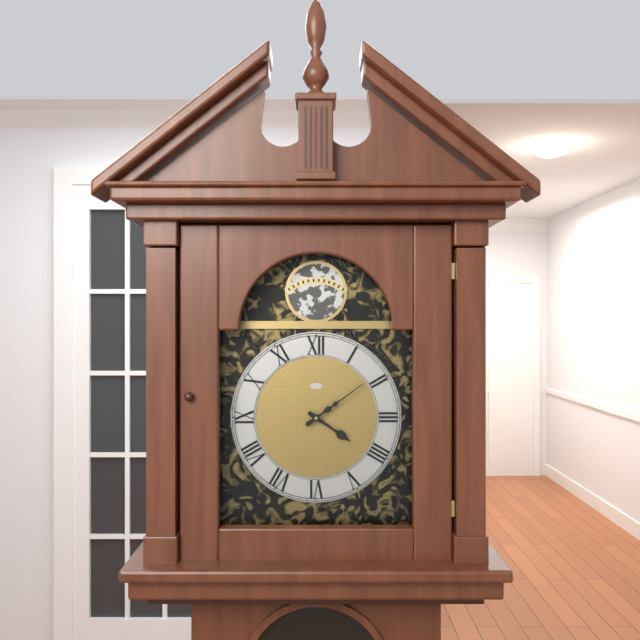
{"hour": 4, "minute": 9}
